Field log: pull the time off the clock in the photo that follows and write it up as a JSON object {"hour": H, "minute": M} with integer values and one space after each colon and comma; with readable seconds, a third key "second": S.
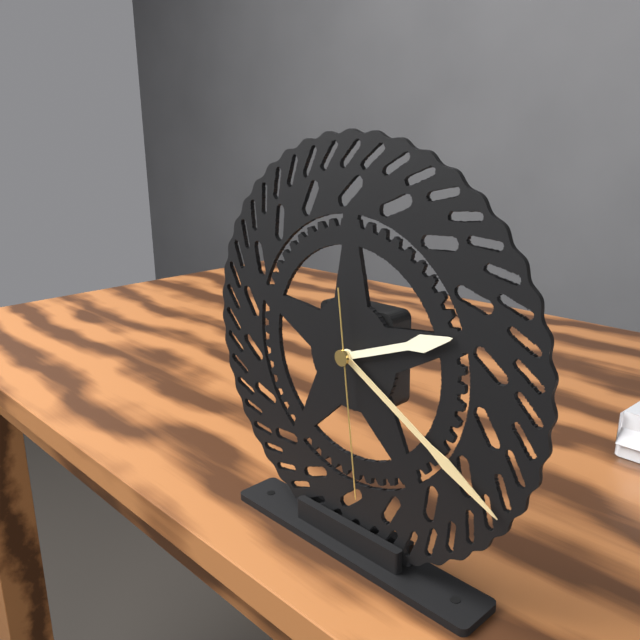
{"hour": 2, "minute": 20, "second": 29}
